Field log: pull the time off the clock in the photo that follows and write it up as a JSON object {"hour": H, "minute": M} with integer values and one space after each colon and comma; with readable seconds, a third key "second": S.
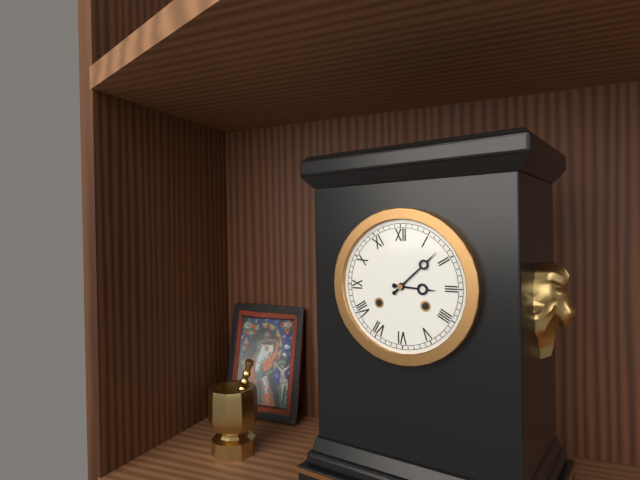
{"hour": 3, "minute": 8}
